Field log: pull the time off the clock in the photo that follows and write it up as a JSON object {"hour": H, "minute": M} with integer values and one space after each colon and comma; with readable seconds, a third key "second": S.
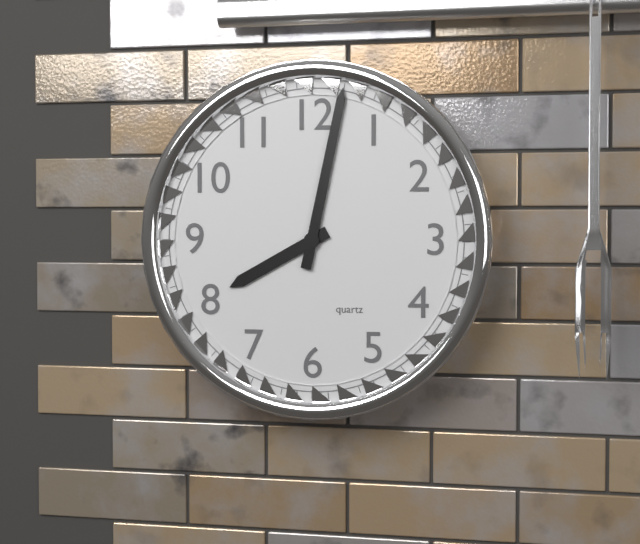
{"hour": 8, "minute": 2}
